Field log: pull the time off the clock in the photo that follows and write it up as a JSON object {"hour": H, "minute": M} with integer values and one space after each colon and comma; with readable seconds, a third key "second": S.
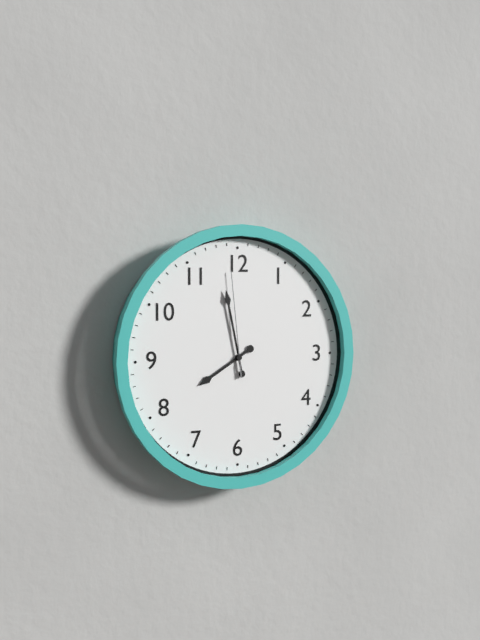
{"hour": 7, "minute": 58, "second": 59}
